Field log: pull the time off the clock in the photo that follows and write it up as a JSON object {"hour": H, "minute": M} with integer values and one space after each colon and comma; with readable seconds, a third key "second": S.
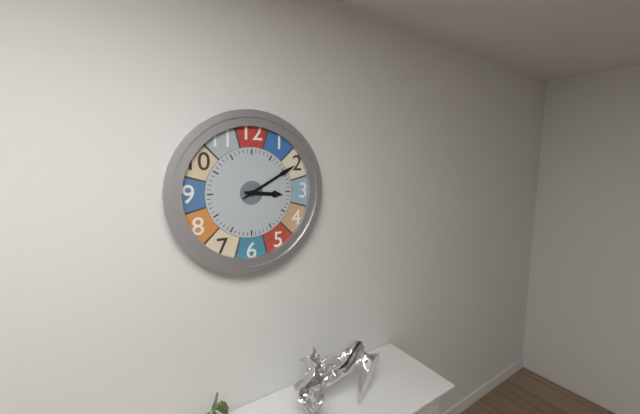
{"hour": 3, "minute": 10}
